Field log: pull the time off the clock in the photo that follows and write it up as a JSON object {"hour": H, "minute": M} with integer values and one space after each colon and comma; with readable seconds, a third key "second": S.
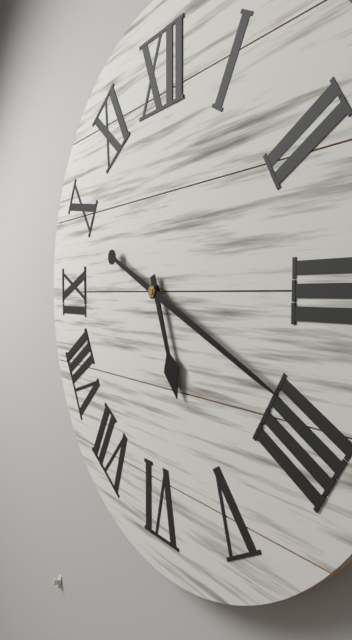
{"hour": 5, "minute": 19}
